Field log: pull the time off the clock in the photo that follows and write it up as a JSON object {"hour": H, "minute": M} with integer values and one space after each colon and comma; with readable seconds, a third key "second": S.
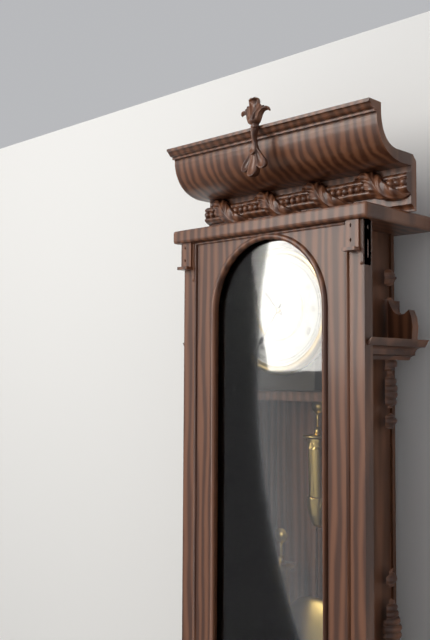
{"hour": 10, "minute": 36}
